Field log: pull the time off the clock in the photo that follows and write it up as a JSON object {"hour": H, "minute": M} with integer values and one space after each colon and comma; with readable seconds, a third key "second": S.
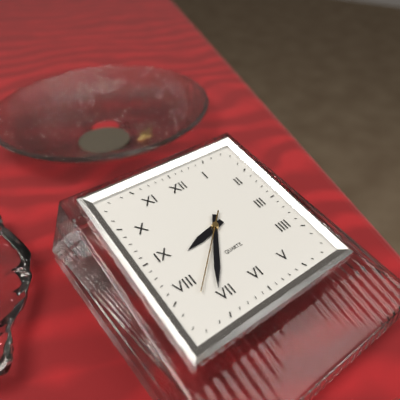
{"hour": 8, "minute": 36, "second": 38}
